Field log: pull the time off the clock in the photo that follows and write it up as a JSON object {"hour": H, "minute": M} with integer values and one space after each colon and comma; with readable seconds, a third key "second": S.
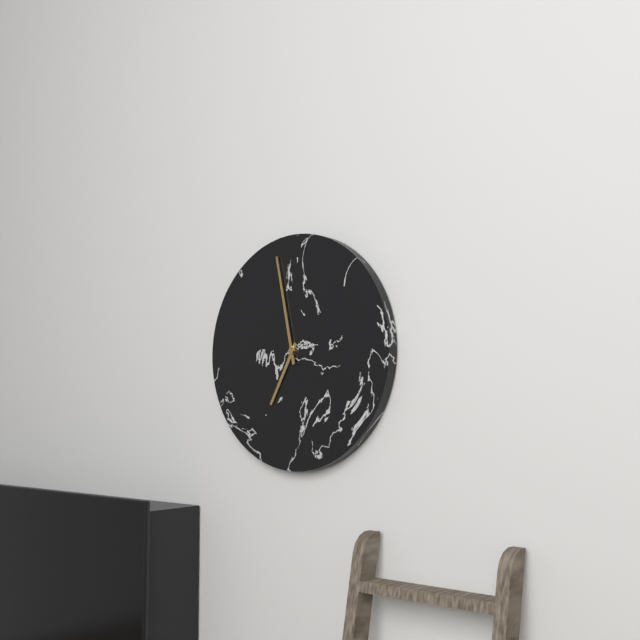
{"hour": 6, "minute": 58}
